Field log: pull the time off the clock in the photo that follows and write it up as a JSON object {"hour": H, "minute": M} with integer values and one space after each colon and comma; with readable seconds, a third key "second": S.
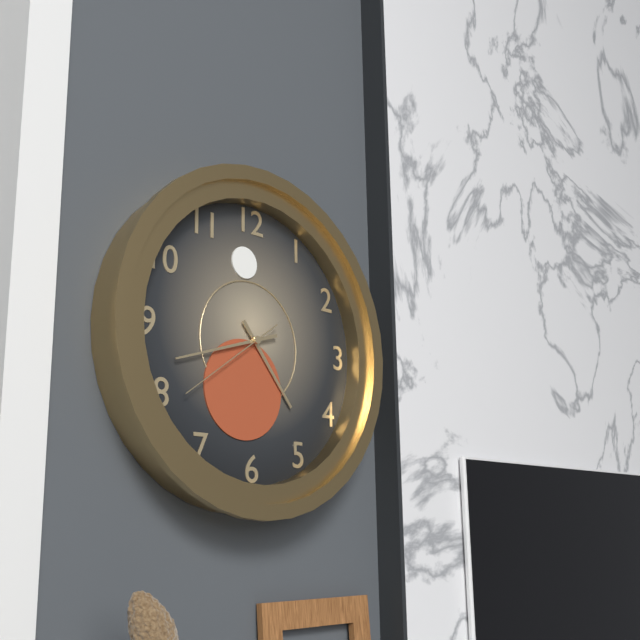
{"hour": 4, "minute": 42, "second": 39}
